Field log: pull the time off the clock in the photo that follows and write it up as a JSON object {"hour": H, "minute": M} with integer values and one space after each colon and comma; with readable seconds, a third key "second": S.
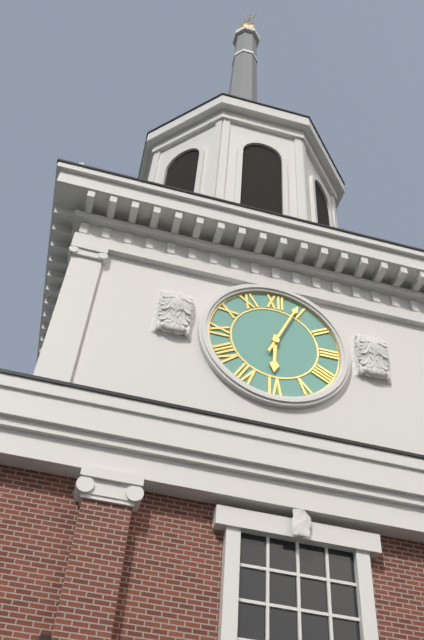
{"hour": 6, "minute": 4}
